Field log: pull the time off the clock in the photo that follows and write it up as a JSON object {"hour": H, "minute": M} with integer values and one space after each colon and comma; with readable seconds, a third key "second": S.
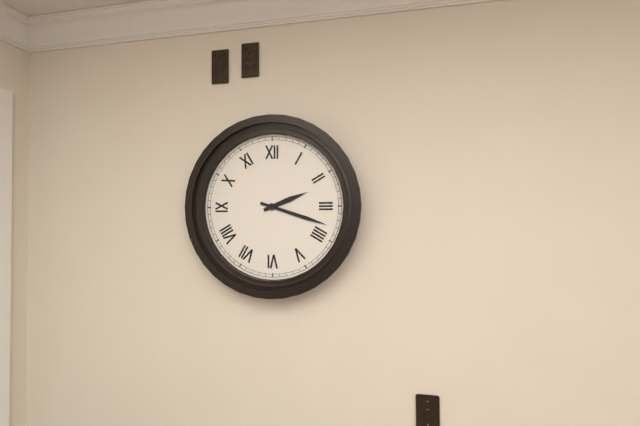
{"hour": 2, "minute": 18}
